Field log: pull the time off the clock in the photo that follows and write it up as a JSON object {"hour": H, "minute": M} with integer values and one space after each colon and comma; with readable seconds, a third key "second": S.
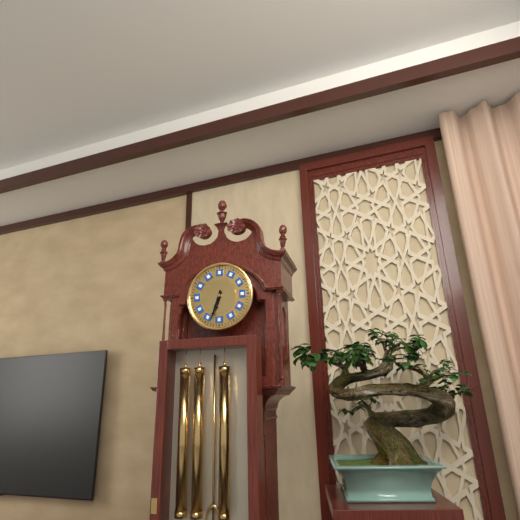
{"hour": 6, "minute": 33}
